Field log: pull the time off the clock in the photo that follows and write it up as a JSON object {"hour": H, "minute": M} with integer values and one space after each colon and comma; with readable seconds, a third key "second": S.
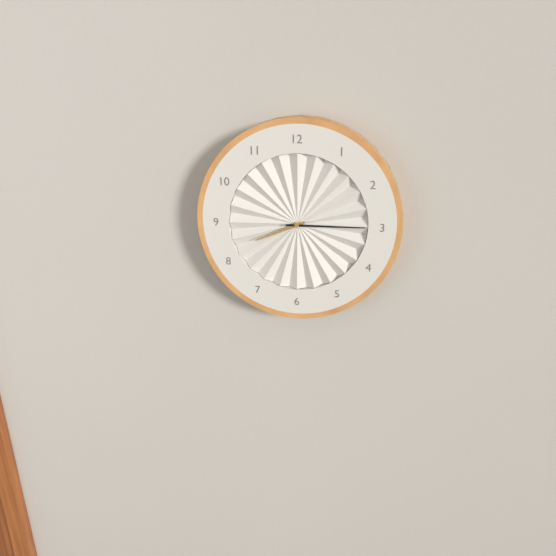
{"hour": 8, "minute": 15}
